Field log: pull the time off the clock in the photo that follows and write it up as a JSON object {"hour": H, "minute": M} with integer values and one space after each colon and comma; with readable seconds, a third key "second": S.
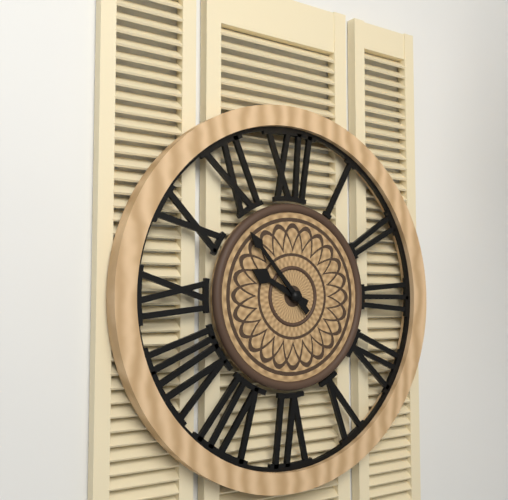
{"hour": 9, "minute": 53}
